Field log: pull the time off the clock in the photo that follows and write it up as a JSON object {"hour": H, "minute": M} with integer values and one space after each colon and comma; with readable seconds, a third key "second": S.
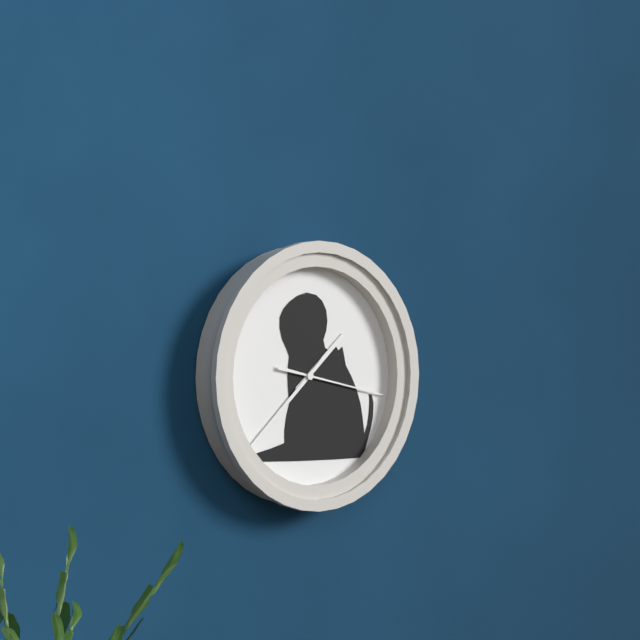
{"hour": 1, "minute": 38, "second": 17}
